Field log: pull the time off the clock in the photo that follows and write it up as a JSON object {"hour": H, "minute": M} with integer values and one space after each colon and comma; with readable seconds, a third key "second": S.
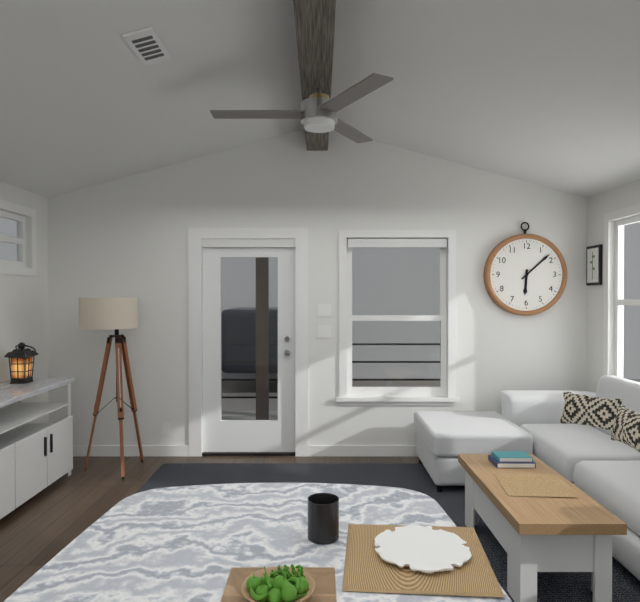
{"hour": 6, "minute": 8}
